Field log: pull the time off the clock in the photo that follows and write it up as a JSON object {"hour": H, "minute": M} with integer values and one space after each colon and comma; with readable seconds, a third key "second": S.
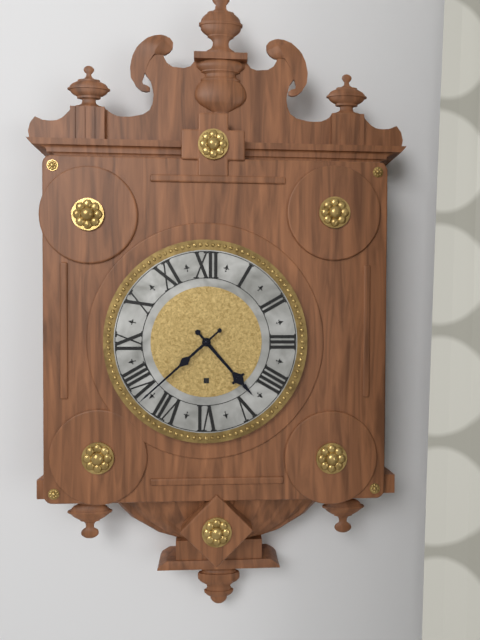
{"hour": 4, "minute": 38}
